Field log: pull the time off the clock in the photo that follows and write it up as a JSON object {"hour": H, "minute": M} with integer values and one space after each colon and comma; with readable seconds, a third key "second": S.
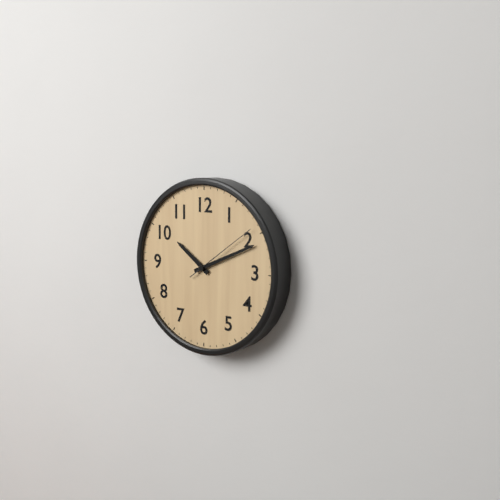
{"hour": 10, "minute": 11, "second": 9}
